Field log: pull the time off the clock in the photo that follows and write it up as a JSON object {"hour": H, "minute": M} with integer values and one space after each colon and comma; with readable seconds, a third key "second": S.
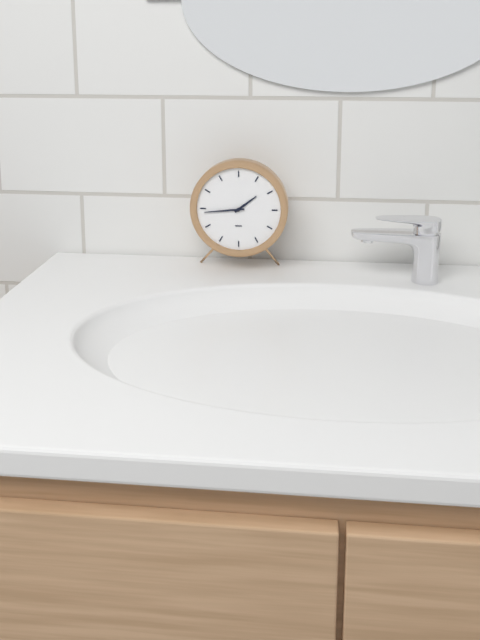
{"hour": 1, "minute": 44}
